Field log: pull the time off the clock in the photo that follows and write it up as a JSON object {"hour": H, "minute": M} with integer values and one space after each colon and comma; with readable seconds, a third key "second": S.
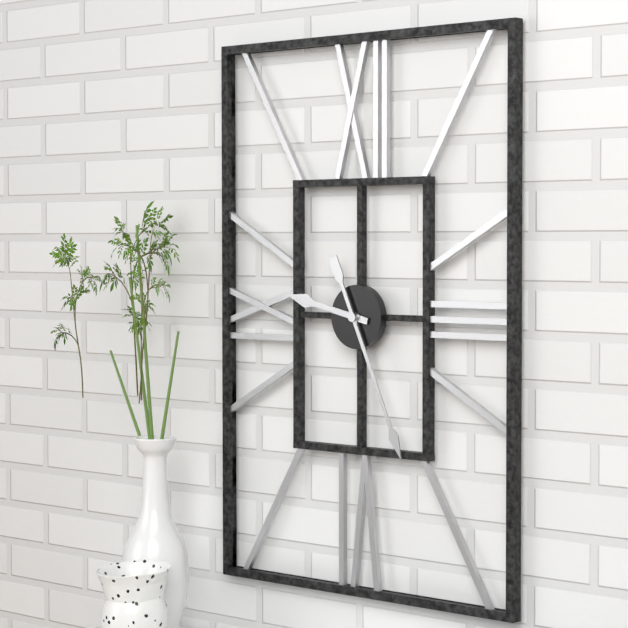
{"hour": 9, "minute": 26}
